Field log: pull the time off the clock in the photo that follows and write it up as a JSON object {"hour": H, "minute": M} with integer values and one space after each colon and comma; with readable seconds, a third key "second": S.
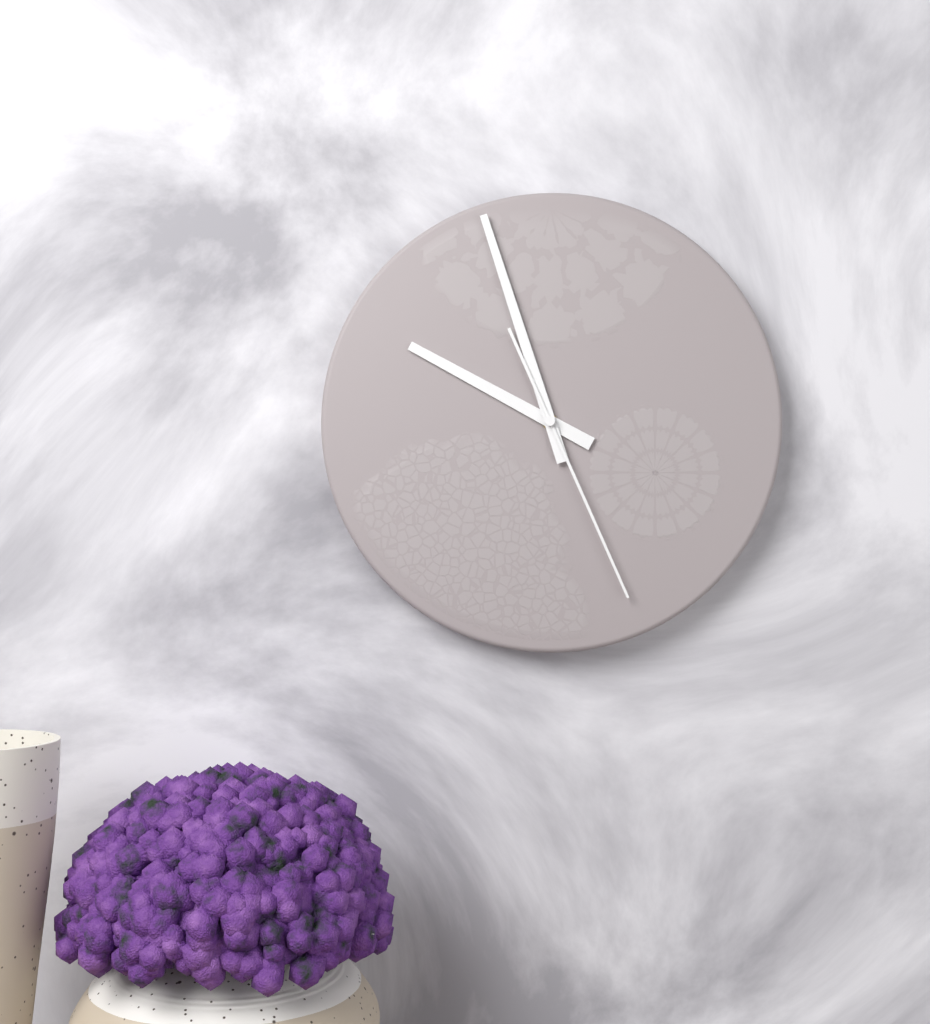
{"hour": 9, "minute": 57, "second": 26}
